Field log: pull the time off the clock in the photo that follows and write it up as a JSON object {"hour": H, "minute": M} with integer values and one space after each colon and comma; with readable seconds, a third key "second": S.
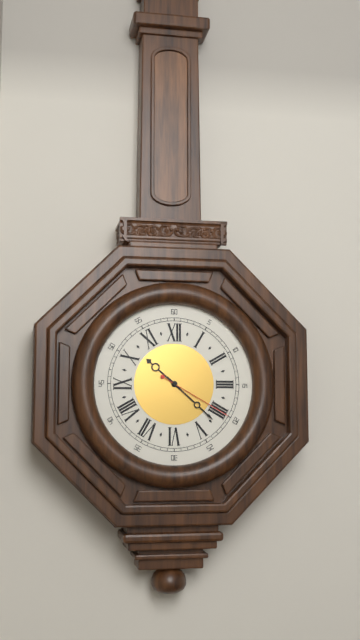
{"hour": 10, "minute": 22, "second": 20}
